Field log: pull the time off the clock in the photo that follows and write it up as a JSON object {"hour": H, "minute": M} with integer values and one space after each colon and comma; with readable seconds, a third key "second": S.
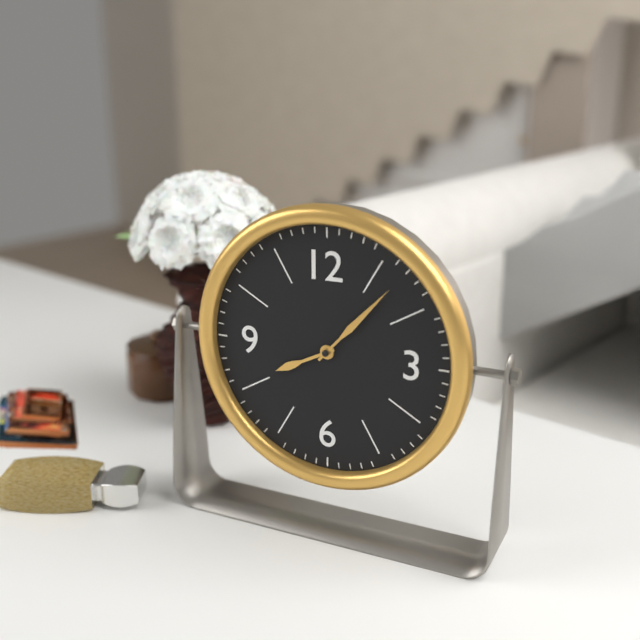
{"hour": 8, "minute": 7}
